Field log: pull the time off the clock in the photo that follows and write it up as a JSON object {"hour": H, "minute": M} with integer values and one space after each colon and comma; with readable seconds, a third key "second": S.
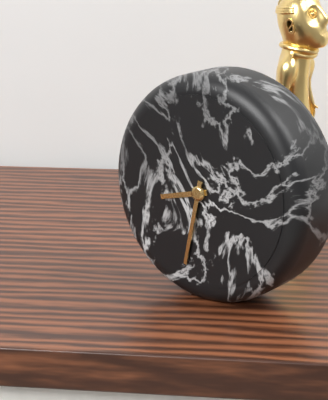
{"hour": 8, "minute": 32}
